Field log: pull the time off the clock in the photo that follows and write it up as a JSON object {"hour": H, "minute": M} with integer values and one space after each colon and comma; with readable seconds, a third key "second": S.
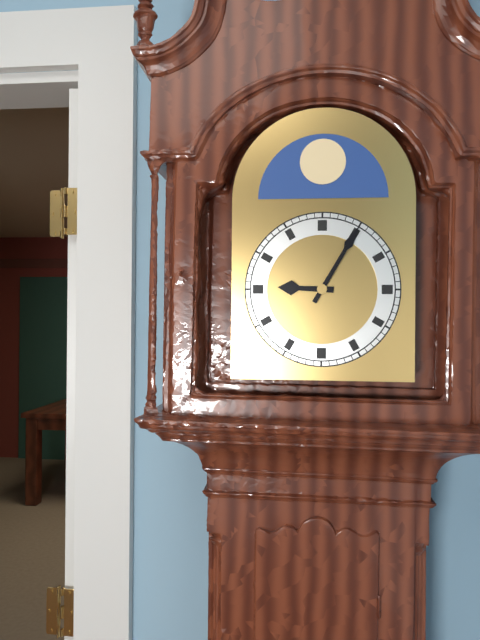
{"hour": 9, "minute": 5}
